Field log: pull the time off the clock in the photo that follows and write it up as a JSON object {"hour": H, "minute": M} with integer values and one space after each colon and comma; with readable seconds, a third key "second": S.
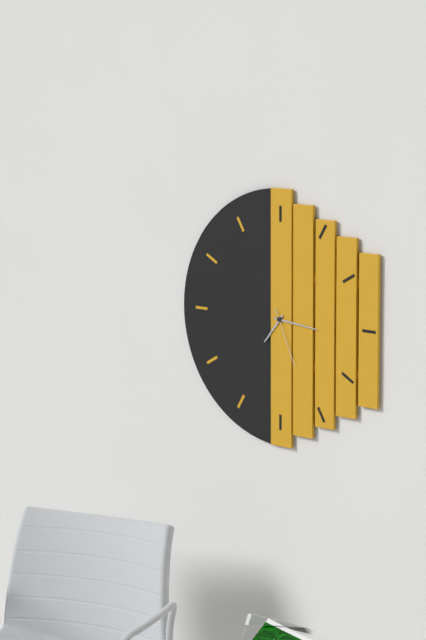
{"hour": 7, "minute": 16, "second": 26}
